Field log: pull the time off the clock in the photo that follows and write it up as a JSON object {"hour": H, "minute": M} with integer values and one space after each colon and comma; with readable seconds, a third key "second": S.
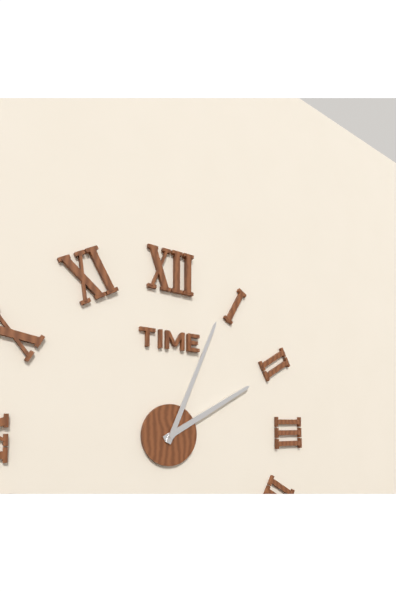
{"hour": 2, "minute": 4}
